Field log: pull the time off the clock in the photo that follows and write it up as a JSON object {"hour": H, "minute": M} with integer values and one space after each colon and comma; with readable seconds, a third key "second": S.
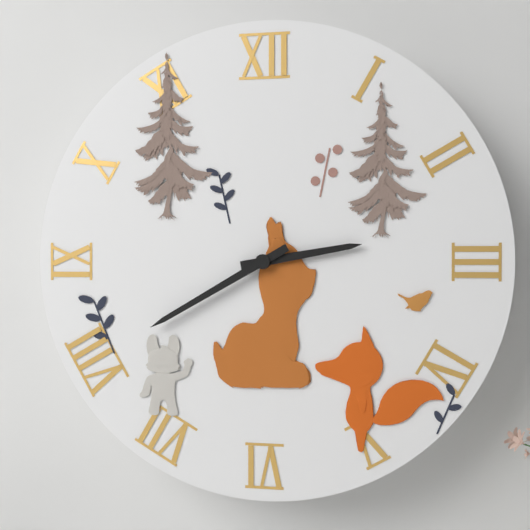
{"hour": 2, "minute": 40}
